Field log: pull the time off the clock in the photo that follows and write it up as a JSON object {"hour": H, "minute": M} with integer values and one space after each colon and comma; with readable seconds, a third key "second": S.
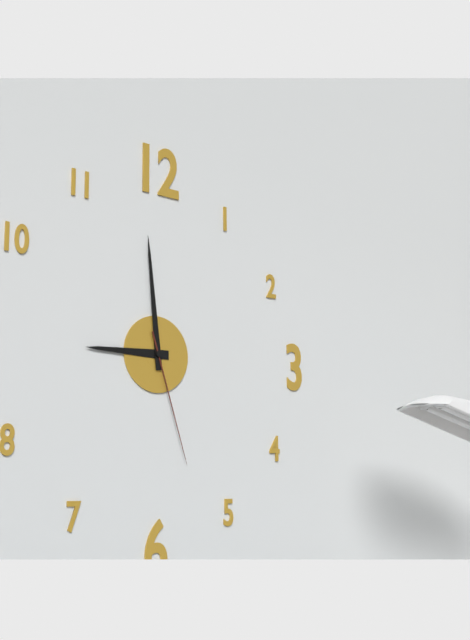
{"hour": 8, "minute": 59, "second": 27}
